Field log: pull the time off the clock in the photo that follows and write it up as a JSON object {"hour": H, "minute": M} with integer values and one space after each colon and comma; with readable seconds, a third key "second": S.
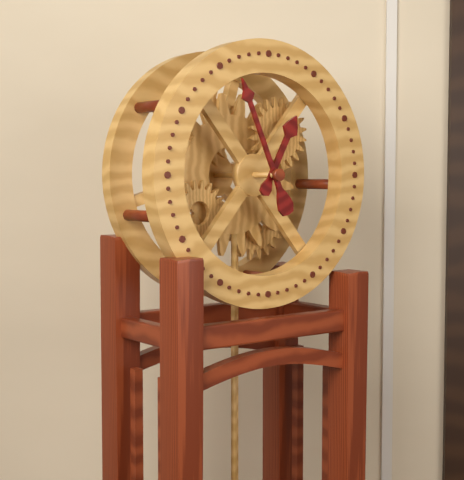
{"hour": 12, "minute": 56}
